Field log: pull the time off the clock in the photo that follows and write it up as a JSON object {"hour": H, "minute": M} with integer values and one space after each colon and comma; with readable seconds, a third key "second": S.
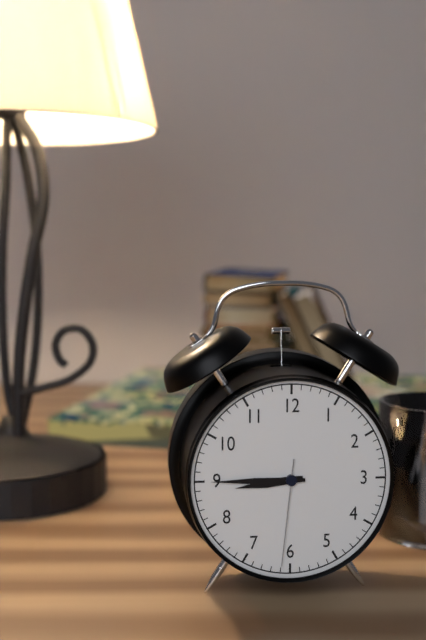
{"hour": 8, "minute": 45, "second": 31}
